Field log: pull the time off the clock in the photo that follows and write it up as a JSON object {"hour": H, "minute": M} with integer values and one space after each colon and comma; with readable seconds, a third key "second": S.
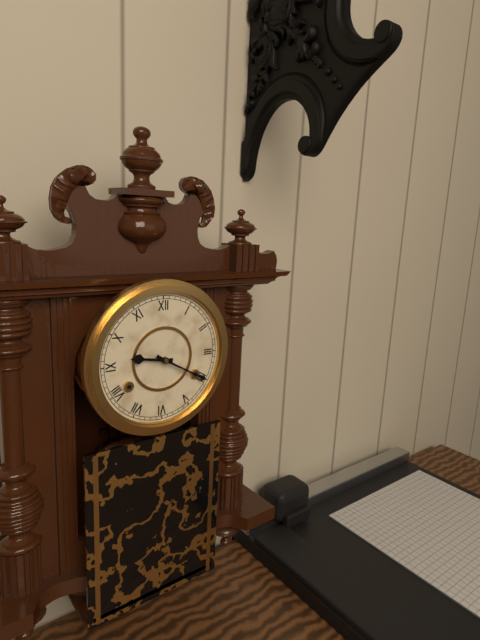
{"hour": 9, "minute": 20}
